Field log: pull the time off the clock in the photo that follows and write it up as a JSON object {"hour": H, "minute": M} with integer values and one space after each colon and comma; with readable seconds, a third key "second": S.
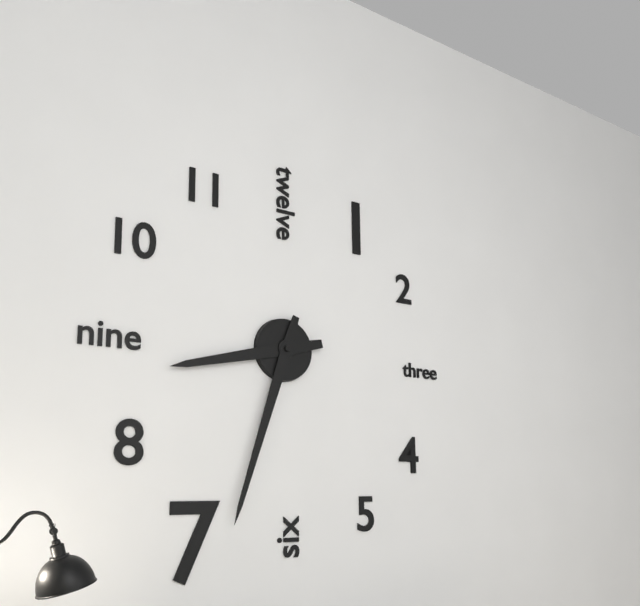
{"hour": 8, "minute": 33}
